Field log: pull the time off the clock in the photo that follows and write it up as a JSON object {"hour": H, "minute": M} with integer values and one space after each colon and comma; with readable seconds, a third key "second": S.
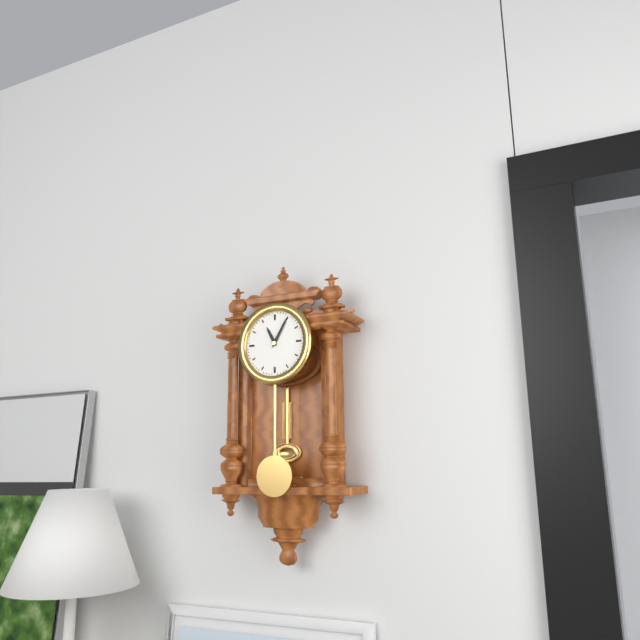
{"hour": 11, "minute": 5}
